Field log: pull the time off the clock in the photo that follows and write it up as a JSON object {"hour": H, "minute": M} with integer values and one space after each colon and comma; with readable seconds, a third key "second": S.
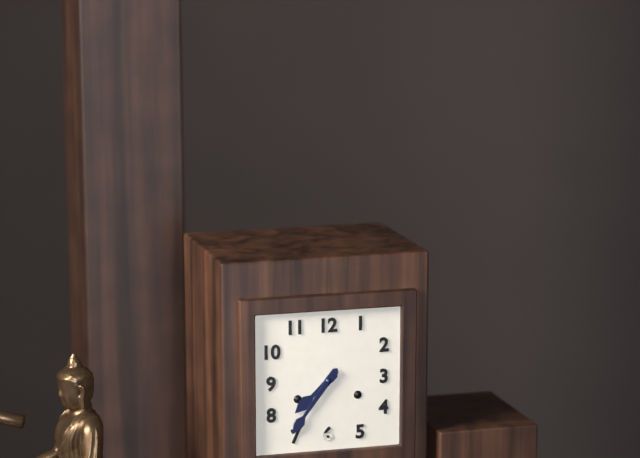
{"hour": 7, "minute": 36}
